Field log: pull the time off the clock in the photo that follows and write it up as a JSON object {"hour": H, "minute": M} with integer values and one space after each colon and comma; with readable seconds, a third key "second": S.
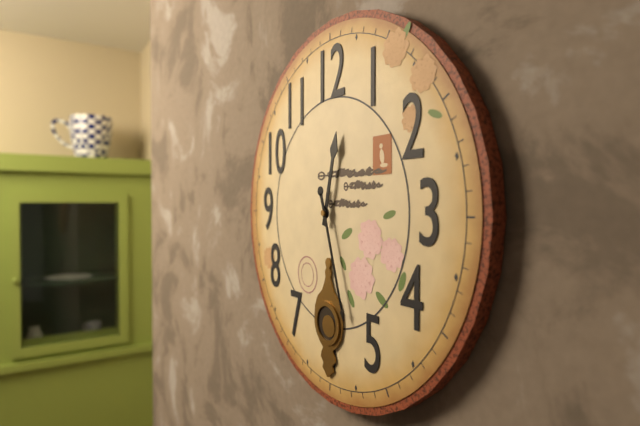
{"hour": 12, "minute": 27}
